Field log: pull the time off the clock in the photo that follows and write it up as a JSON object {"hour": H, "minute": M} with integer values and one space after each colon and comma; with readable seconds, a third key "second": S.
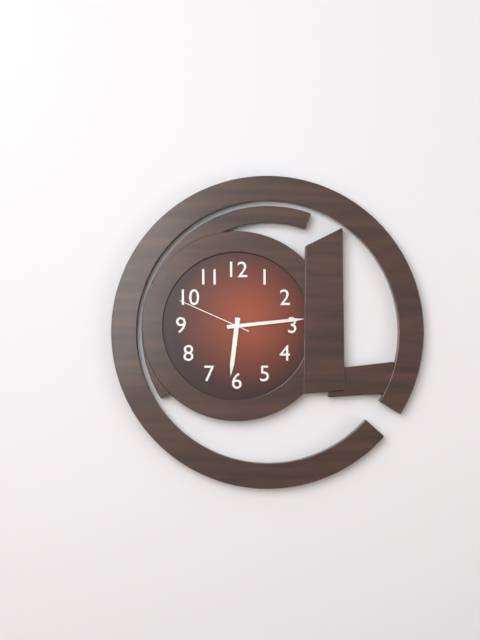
{"hour": 6, "minute": 14, "second": 49}
